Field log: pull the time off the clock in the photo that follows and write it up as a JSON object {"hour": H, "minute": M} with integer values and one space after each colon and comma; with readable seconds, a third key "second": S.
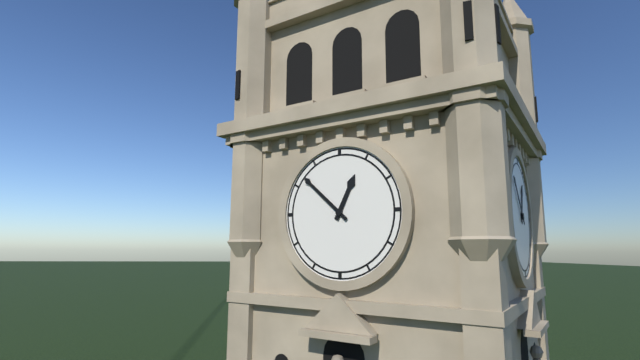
{"hour": 12, "minute": 52}
